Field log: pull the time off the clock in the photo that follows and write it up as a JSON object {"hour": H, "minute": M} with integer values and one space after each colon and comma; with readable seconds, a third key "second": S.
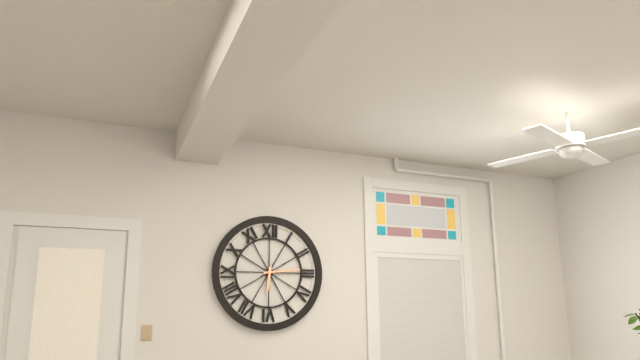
{"hour": 6, "minute": 14}
